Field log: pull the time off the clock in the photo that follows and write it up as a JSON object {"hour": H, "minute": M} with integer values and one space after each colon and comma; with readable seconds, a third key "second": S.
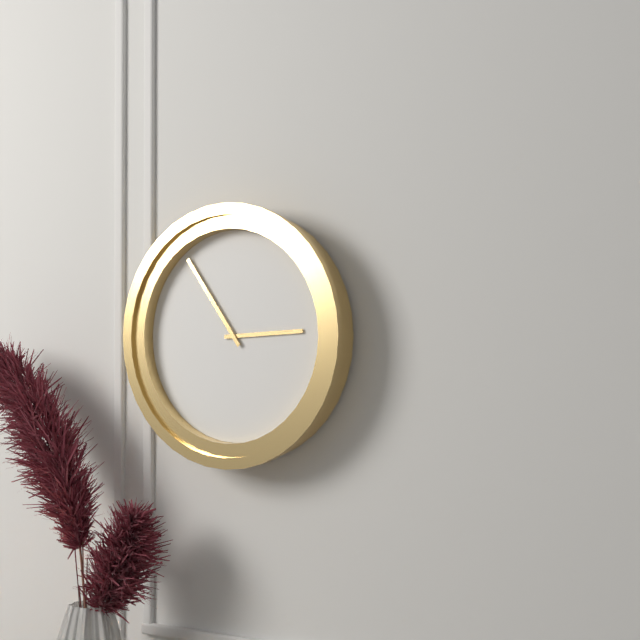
{"hour": 2, "minute": 54}
